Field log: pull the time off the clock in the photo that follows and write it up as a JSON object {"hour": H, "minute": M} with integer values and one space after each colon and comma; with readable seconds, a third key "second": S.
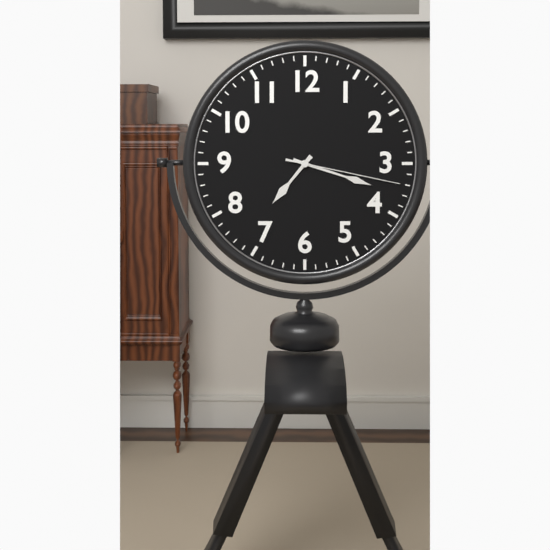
{"hour": 7, "minute": 18, "second": 17}
